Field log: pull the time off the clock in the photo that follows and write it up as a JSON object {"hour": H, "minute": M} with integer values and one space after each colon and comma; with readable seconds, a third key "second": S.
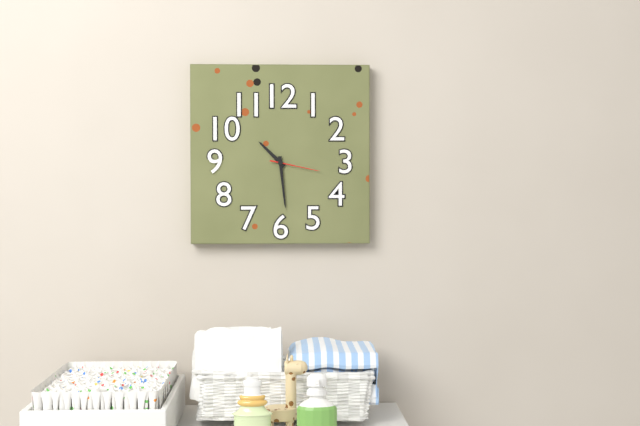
{"hour": 10, "minute": 29, "second": 17}
